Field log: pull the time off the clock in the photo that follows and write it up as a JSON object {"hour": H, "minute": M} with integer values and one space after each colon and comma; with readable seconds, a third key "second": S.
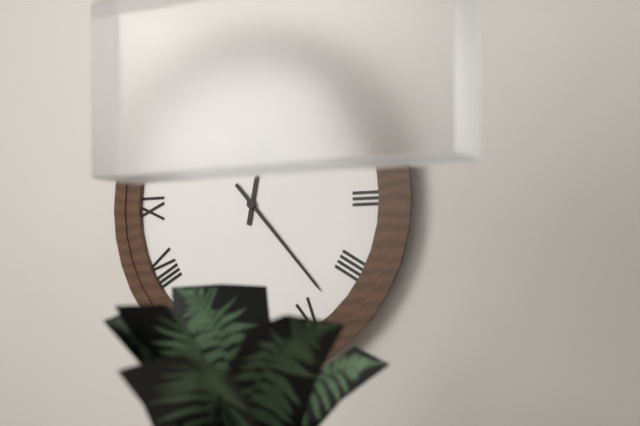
{"hour": 12, "minute": 23}
